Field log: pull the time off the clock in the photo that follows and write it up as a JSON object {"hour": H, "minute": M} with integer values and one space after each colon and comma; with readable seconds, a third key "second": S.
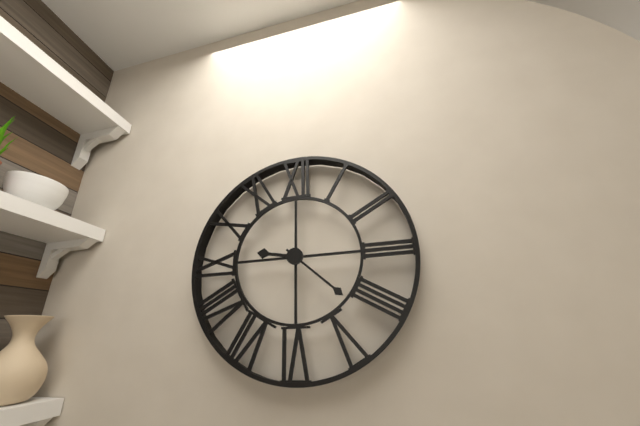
{"hour": 9, "minute": 22}
